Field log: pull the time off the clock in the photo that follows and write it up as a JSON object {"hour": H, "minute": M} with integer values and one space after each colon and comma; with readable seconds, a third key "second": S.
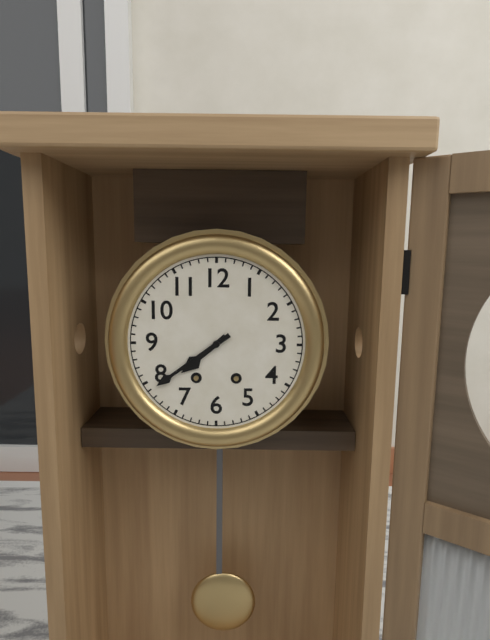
{"hour": 7, "minute": 39}
